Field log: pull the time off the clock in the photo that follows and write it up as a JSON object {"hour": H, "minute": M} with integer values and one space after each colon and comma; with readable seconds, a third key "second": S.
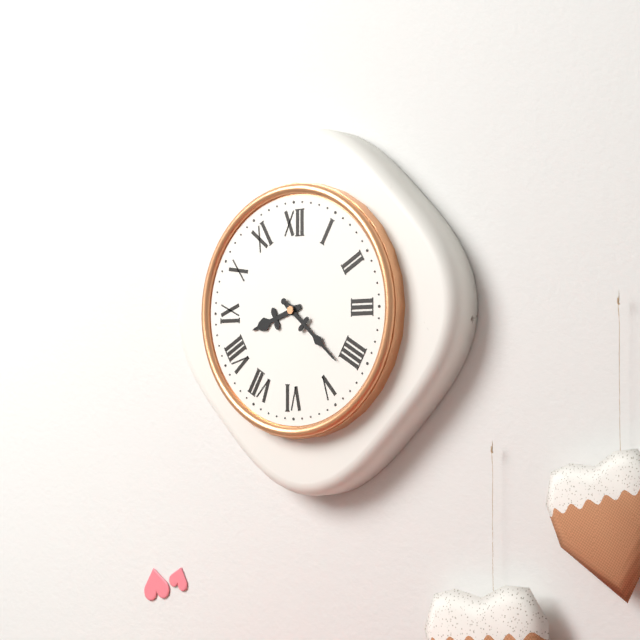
{"hour": 8, "minute": 22}
